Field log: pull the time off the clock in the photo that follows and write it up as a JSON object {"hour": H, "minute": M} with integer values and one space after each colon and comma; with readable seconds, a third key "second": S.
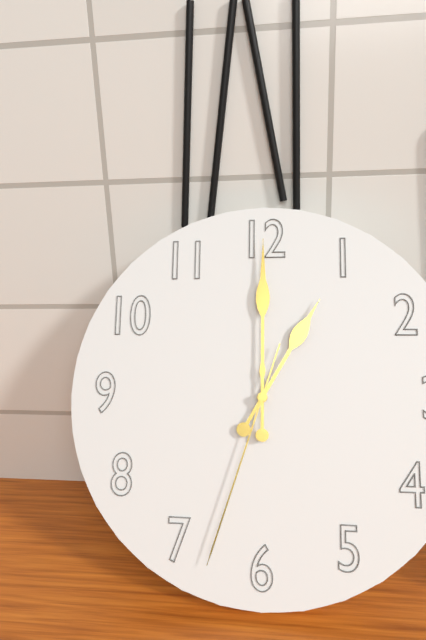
{"hour": 1, "minute": 0, "second": 33}
